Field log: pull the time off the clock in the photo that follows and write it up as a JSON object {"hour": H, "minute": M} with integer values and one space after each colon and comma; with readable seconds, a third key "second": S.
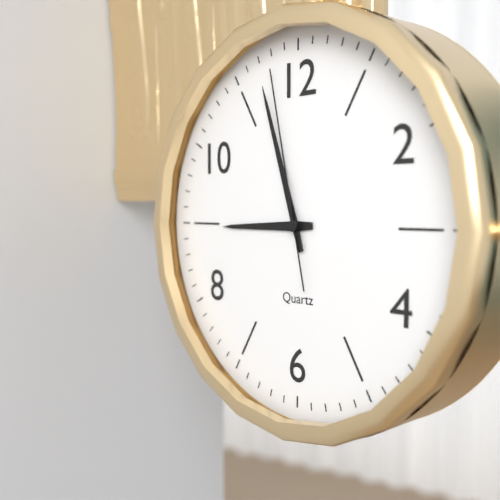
{"hour": 8, "minute": 57, "second": 58}
